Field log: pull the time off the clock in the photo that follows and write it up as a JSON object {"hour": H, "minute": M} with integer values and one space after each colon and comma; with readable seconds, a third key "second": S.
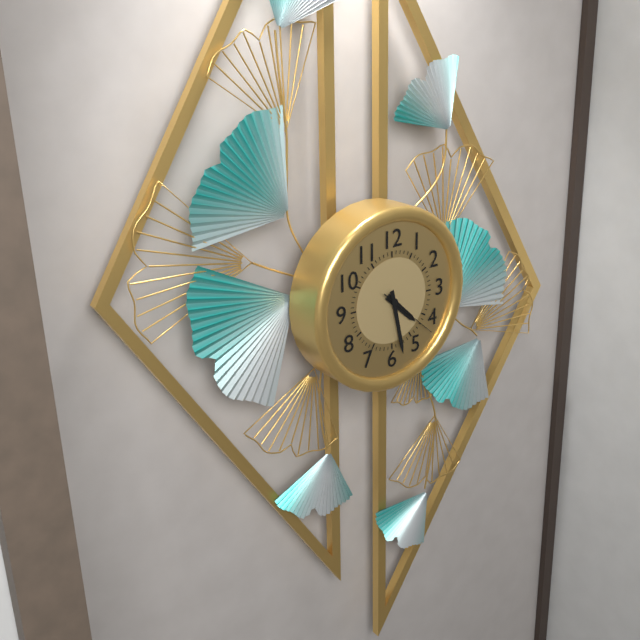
{"hour": 4, "minute": 28, "second": 22}
